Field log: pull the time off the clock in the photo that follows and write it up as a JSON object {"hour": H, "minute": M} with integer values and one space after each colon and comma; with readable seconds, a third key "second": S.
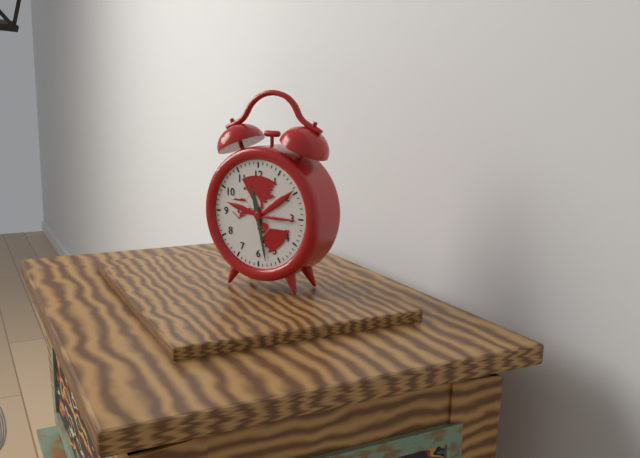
{"hour": 11, "minute": 28}
